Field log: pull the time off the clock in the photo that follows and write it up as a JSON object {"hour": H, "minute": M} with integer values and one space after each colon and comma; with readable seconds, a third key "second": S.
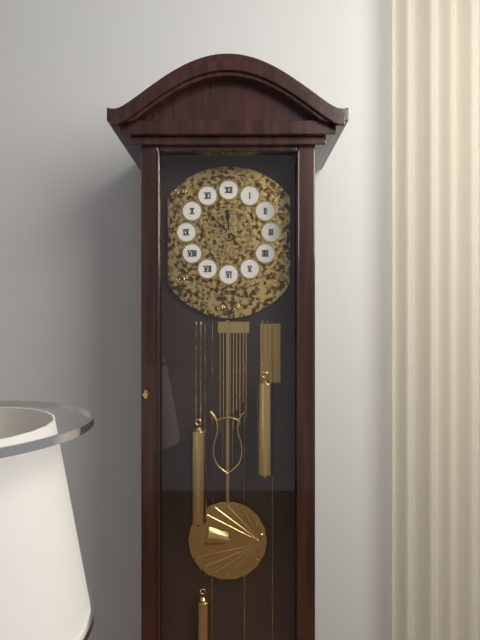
{"hour": 11, "minute": 52}
